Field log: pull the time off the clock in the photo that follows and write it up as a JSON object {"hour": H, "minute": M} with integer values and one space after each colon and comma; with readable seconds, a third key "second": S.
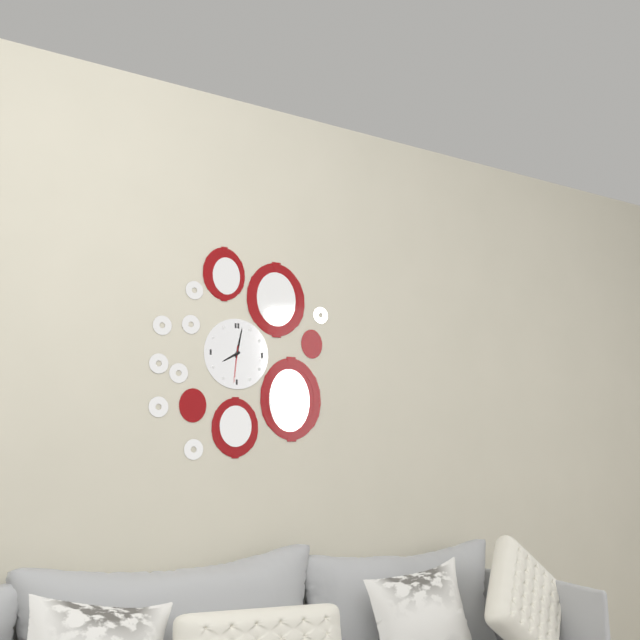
{"hour": 8, "minute": 2}
